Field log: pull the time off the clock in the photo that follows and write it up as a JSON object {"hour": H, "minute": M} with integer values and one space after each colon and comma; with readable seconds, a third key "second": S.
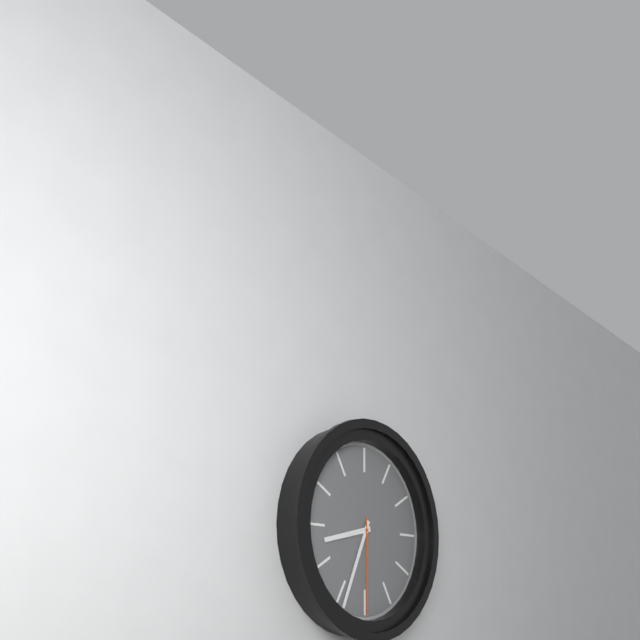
{"hour": 8, "minute": 34, "second": 30}
